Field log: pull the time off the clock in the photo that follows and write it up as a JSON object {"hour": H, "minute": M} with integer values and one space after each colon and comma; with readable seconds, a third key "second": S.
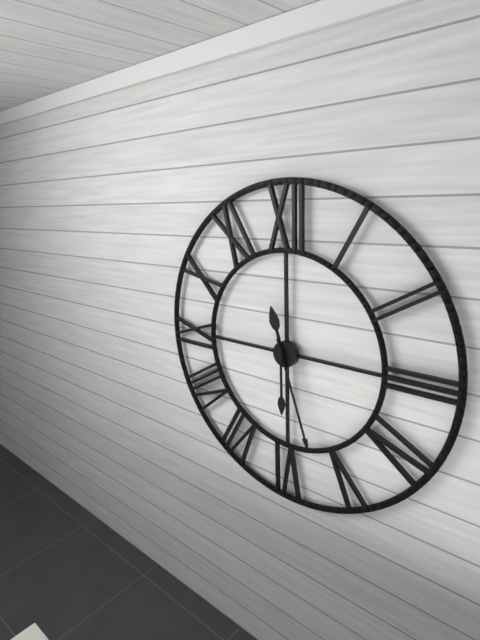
{"hour": 11, "minute": 27, "second": 30}
